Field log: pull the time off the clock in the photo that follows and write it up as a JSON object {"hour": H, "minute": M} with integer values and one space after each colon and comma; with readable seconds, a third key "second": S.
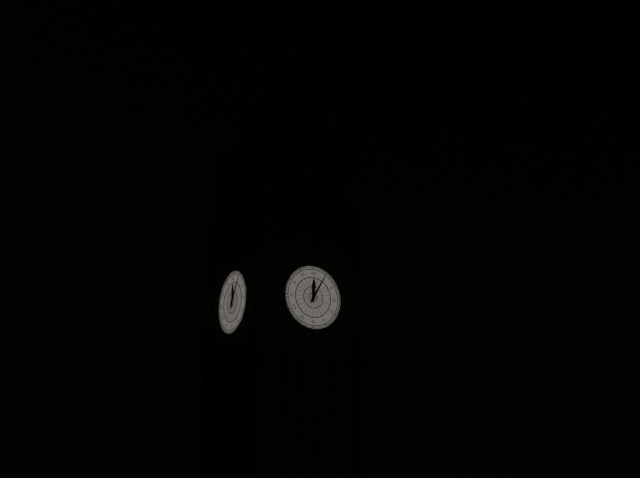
{"hour": 12, "minute": 5}
